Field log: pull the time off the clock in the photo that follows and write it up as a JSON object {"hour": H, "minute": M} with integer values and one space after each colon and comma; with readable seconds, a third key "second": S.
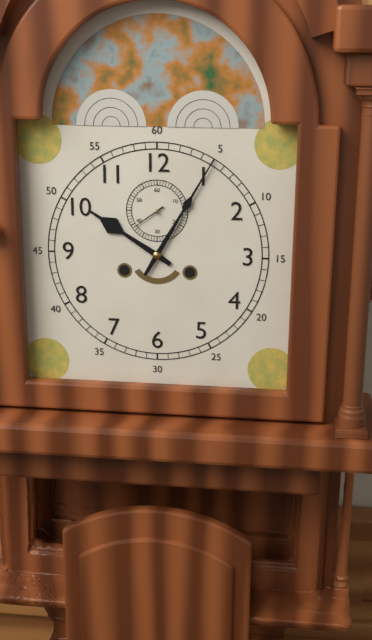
{"hour": 10, "minute": 5}
